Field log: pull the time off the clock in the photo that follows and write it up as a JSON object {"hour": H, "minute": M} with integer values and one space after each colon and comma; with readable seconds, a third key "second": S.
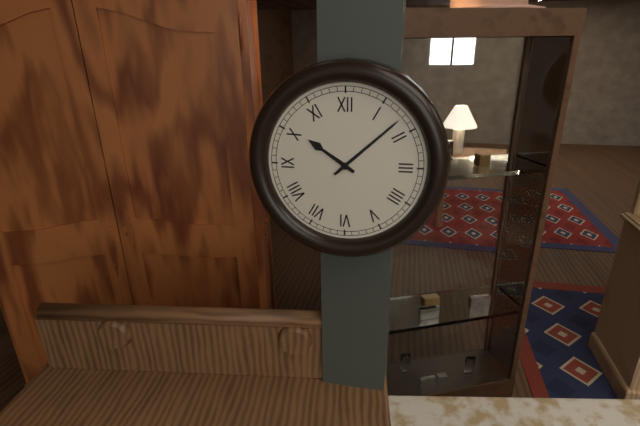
{"hour": 10, "minute": 8}
